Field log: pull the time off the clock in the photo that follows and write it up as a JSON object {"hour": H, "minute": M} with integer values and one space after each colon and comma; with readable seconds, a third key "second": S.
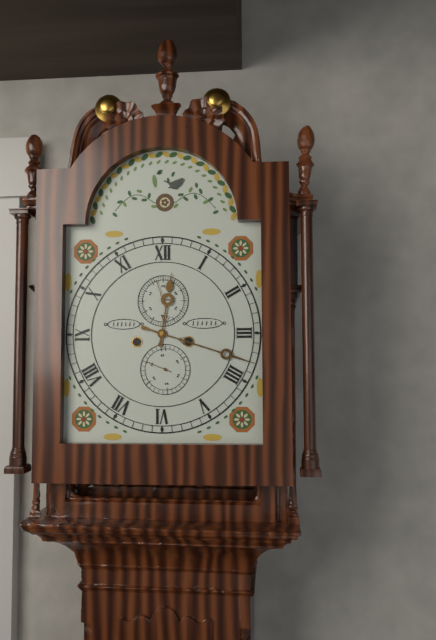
{"hour": 12, "minute": 18}
